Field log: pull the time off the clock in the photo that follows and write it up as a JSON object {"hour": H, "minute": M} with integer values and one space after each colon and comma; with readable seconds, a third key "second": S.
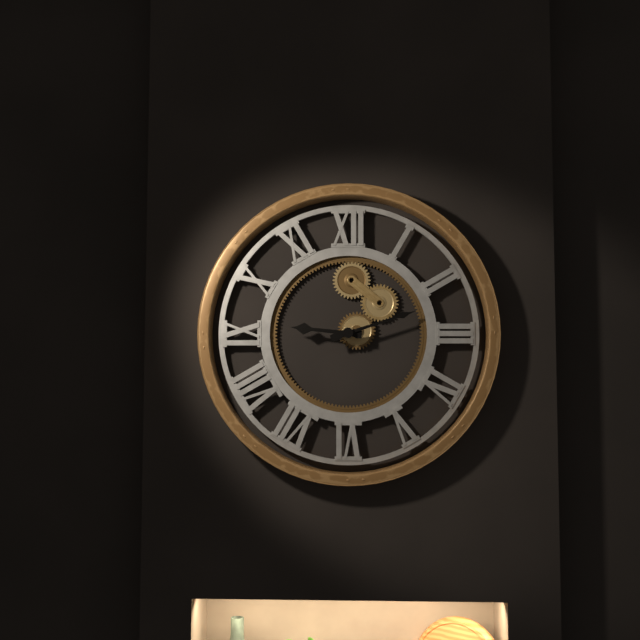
{"hour": 9, "minute": 12}
